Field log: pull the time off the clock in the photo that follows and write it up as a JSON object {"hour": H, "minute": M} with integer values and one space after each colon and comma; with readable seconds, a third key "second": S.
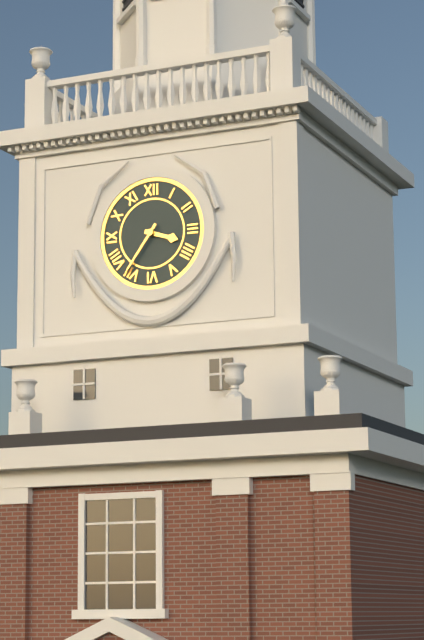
{"hour": 3, "minute": 36}
